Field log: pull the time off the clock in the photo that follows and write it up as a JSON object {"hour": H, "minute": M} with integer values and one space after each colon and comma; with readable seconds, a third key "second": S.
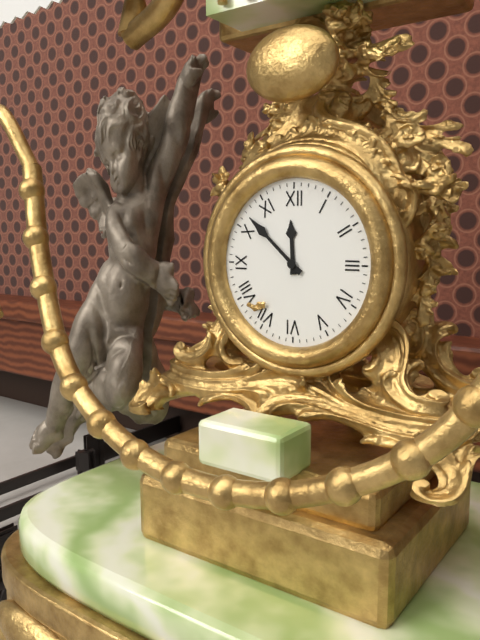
{"hour": 11, "minute": 52}
